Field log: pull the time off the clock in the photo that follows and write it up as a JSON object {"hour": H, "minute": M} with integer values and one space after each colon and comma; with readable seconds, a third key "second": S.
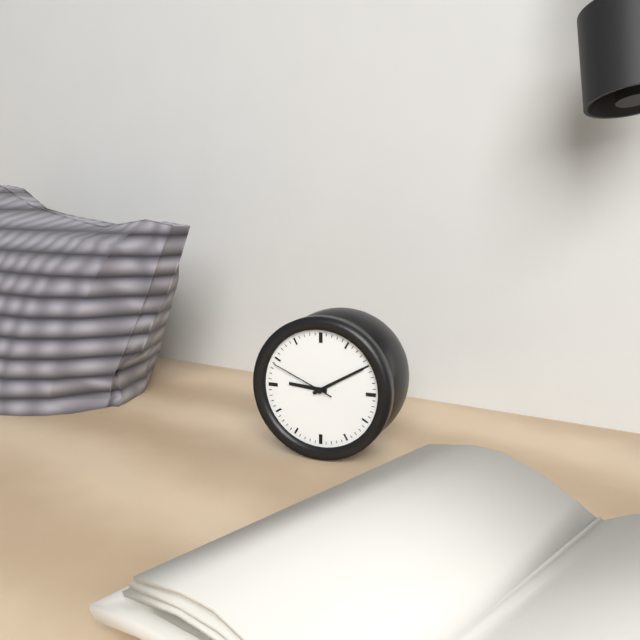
{"hour": 9, "minute": 10, "second": 49}
